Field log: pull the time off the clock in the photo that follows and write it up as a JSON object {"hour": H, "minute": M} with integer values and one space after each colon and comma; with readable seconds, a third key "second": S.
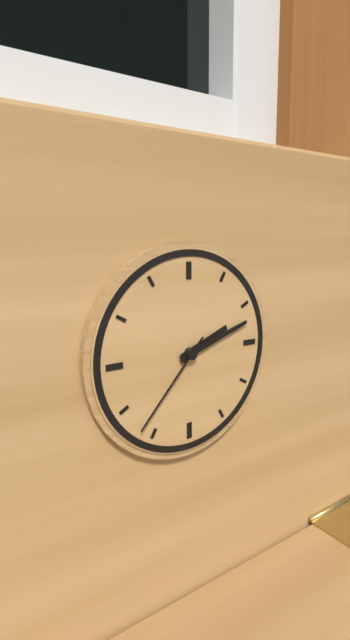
{"hour": 2, "minute": 12, "second": 37}
